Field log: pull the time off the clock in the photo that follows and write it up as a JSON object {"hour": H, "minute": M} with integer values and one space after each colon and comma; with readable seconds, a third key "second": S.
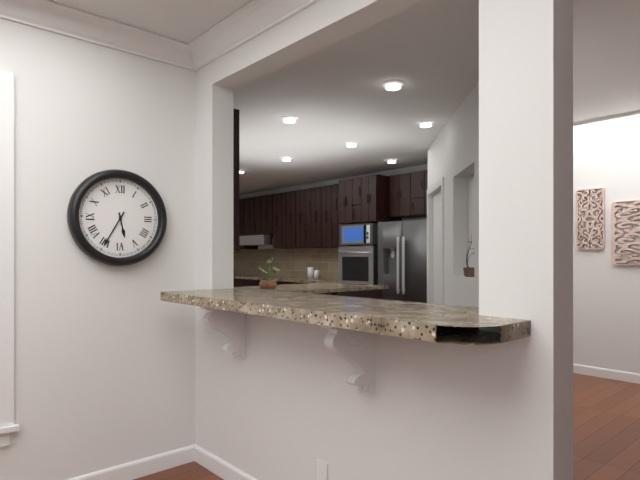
{"hour": 5, "minute": 35}
